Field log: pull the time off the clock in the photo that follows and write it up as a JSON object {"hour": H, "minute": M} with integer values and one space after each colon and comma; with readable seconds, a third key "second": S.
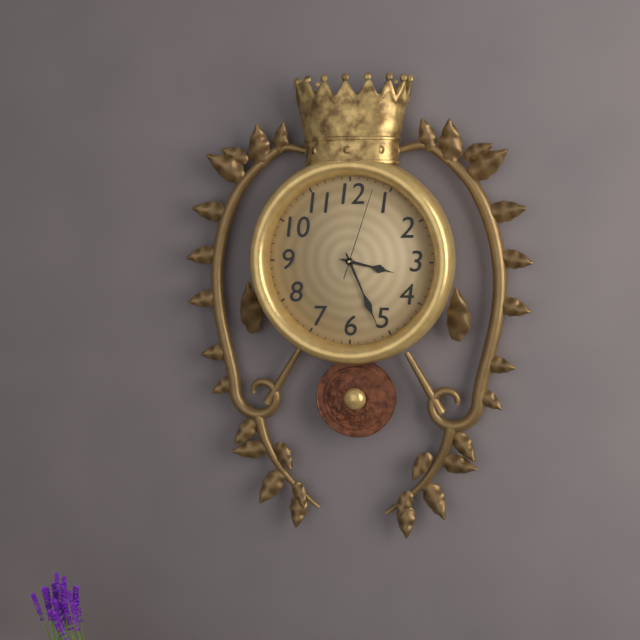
{"hour": 3, "minute": 26, "second": 3}
